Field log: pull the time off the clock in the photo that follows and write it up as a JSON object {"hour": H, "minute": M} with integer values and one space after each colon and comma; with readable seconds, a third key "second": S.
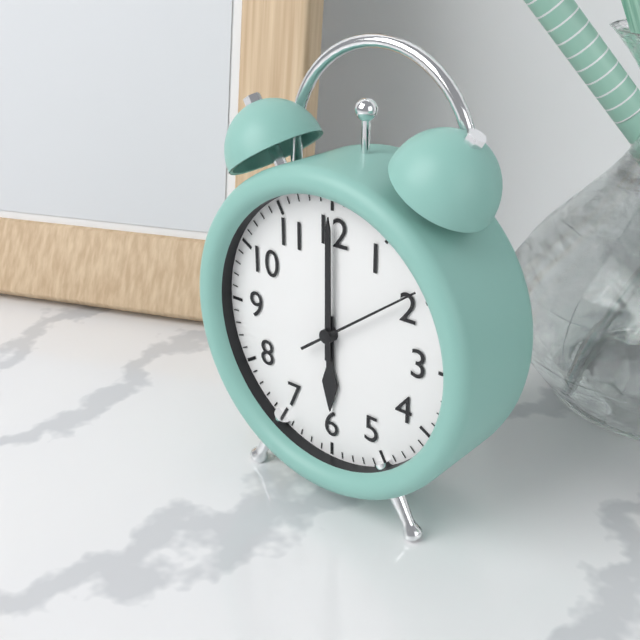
{"hour": 6, "minute": 0, "second": 9}
